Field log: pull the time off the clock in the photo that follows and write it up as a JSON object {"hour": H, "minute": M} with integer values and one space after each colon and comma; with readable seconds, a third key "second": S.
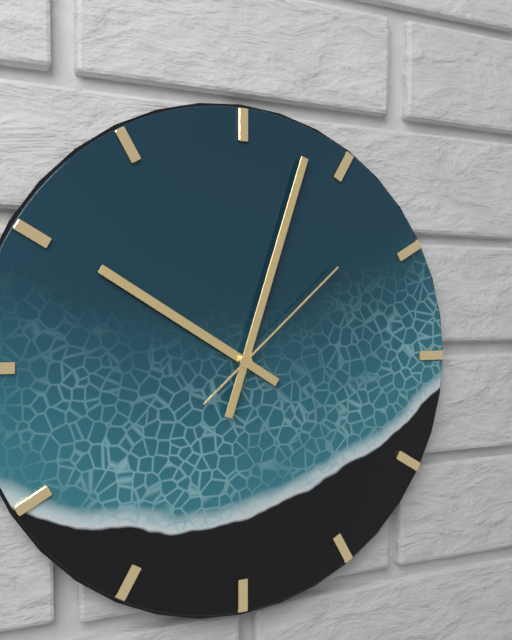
{"hour": 10, "minute": 3, "second": 8}
